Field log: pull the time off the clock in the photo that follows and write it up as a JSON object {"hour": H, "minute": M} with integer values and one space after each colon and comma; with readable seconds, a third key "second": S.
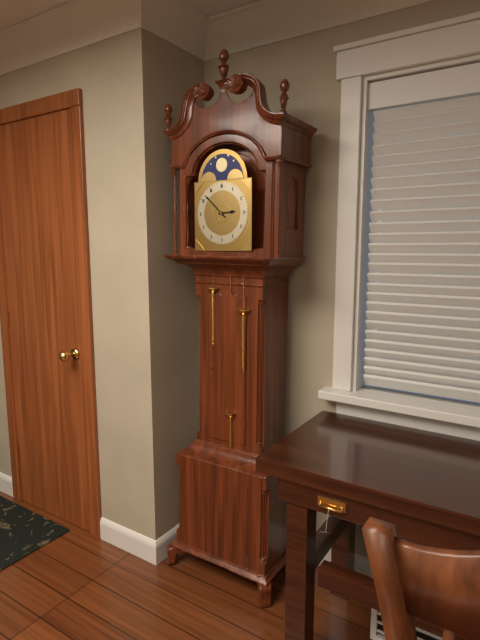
{"hour": 2, "minute": 52}
